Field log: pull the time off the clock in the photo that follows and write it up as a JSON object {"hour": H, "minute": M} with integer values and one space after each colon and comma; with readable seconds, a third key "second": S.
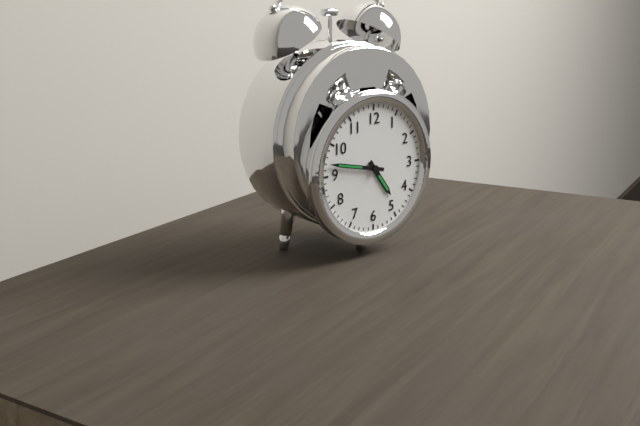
{"hour": 4, "minute": 47}
